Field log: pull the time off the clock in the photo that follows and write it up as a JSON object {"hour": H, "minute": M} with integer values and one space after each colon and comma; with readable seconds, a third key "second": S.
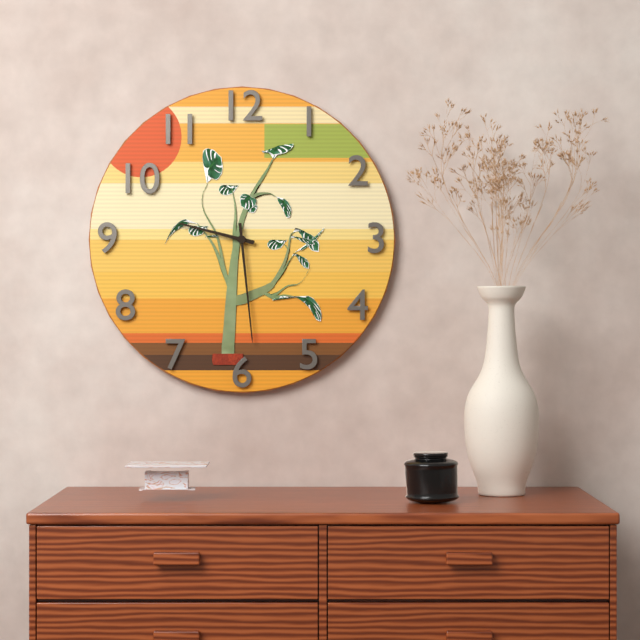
{"hour": 9, "minute": 29}
